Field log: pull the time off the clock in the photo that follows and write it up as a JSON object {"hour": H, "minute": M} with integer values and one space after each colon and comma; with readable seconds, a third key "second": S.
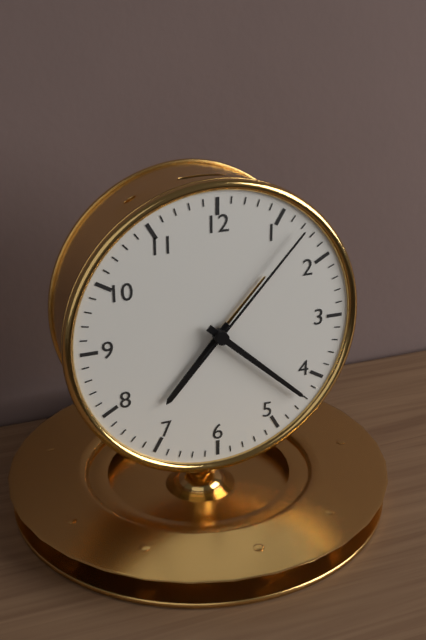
{"hour": 7, "minute": 22, "second": 7}
